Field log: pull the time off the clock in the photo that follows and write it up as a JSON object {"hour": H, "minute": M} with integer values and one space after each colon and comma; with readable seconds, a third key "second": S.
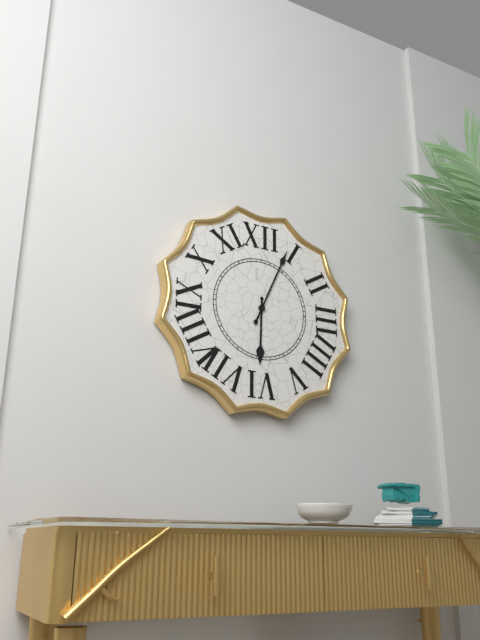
{"hour": 6, "minute": 4}
